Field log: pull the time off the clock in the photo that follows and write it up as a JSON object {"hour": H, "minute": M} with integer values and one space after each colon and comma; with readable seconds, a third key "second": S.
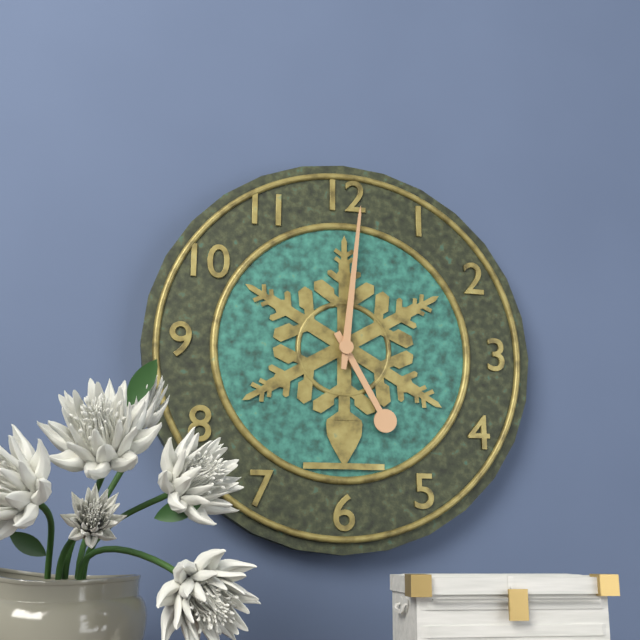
{"hour": 5, "minute": 1}
